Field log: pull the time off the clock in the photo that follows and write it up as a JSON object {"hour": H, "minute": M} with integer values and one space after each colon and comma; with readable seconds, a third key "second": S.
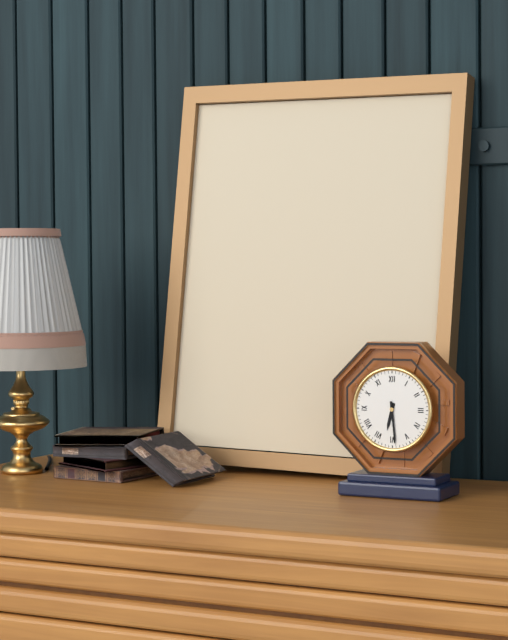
{"hour": 6, "minute": 29}
